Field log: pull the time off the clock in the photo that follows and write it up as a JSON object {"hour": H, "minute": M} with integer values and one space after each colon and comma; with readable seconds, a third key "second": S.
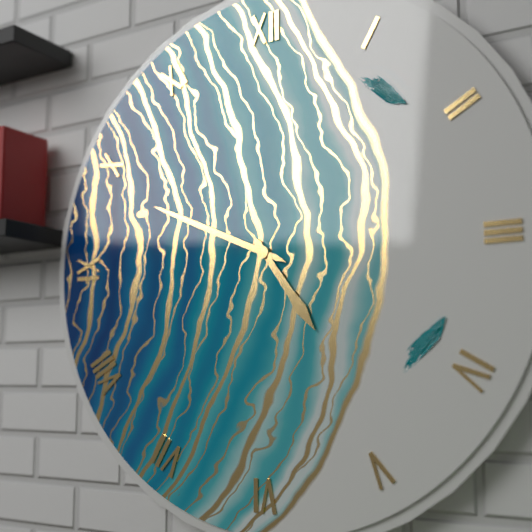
{"hour": 4, "minute": 49}
